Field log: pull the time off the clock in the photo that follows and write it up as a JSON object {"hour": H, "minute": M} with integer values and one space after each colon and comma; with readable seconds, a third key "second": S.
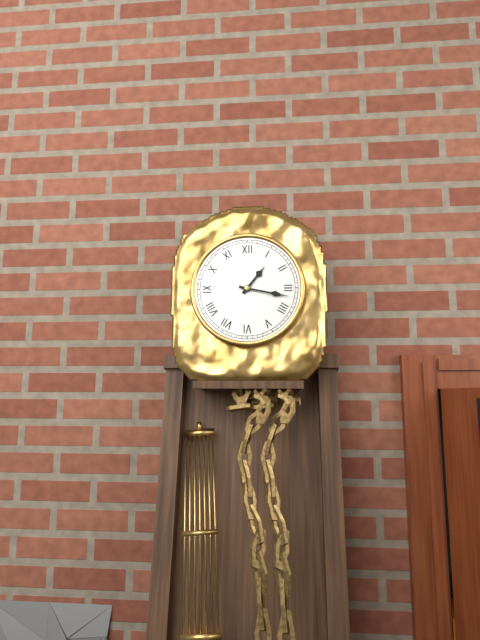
{"hour": 1, "minute": 17}
